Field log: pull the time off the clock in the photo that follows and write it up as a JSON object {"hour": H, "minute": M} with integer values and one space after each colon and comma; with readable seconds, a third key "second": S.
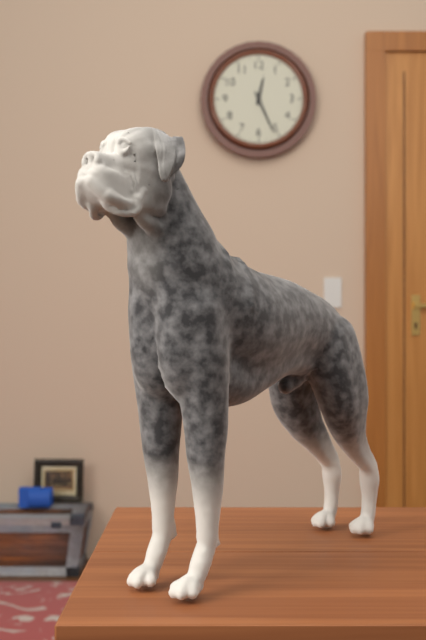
{"hour": 12, "minute": 26}
